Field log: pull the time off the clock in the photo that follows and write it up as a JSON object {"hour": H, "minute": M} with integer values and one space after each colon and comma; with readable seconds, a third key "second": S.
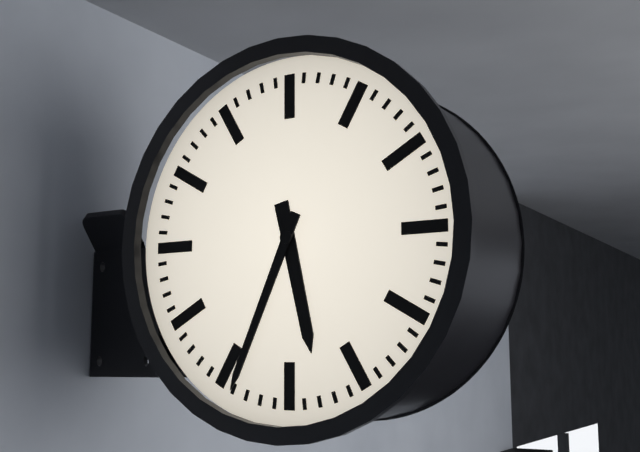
{"hour": 5, "minute": 34}
